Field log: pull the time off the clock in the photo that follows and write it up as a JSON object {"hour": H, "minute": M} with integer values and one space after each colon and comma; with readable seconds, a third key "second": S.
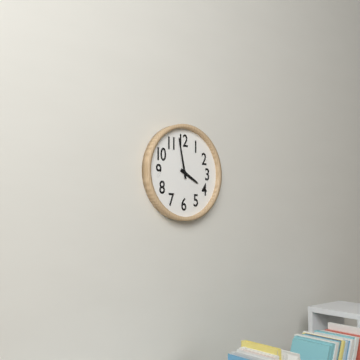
{"hour": 3, "minute": 58}
